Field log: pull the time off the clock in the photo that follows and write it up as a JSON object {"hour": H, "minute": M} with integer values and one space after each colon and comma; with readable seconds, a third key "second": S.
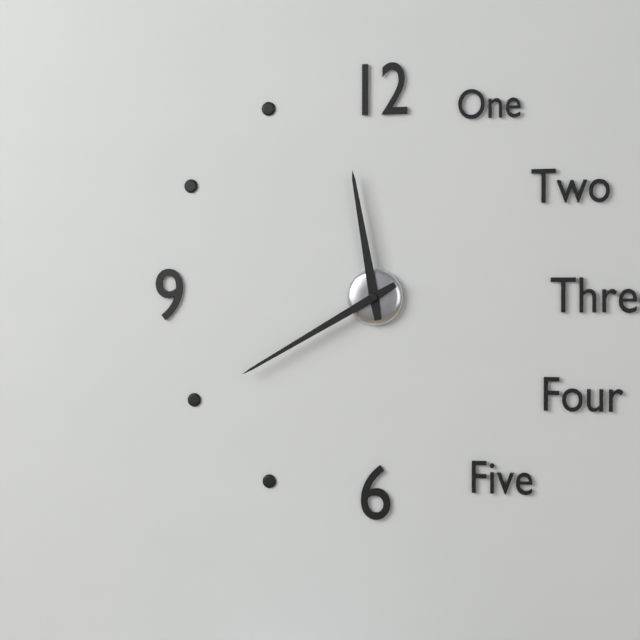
{"hour": 11, "minute": 40}
